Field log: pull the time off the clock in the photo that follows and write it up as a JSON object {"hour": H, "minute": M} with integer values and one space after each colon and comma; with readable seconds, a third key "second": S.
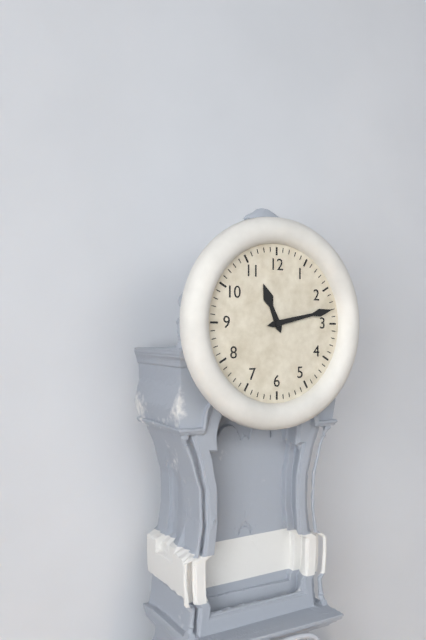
{"hour": 11, "minute": 13}
